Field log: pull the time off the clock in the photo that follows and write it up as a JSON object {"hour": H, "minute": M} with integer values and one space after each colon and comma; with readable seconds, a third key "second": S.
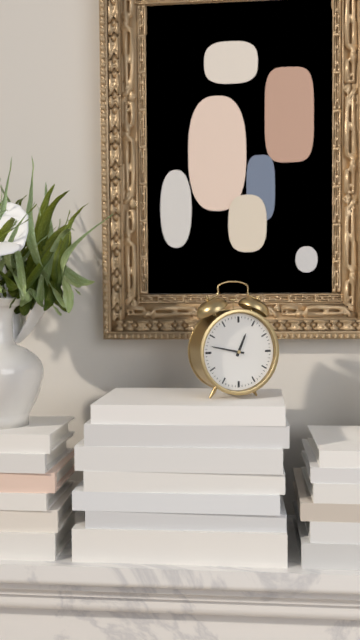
{"hour": 12, "minute": 47}
